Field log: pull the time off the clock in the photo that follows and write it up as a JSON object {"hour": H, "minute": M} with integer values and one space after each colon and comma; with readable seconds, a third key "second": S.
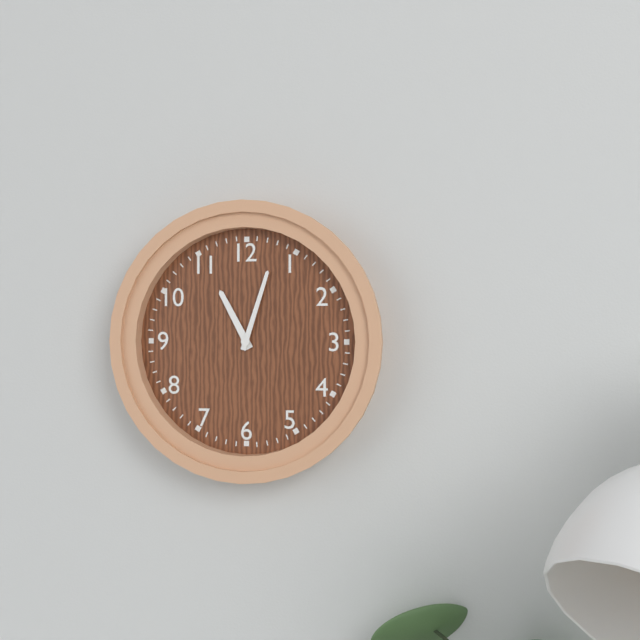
{"hour": 11, "minute": 3}
